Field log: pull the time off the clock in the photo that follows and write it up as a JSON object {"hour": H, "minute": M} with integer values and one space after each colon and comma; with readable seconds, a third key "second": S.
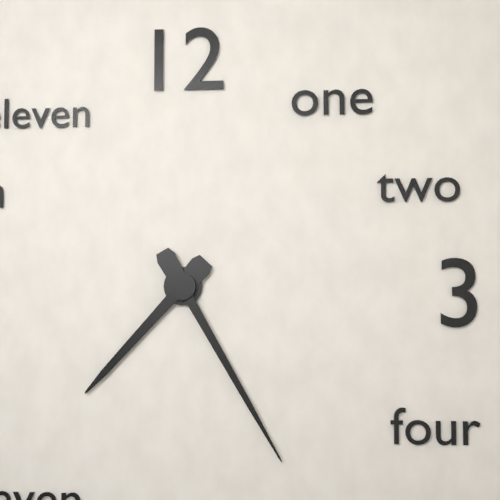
{"hour": 7, "minute": 25}
